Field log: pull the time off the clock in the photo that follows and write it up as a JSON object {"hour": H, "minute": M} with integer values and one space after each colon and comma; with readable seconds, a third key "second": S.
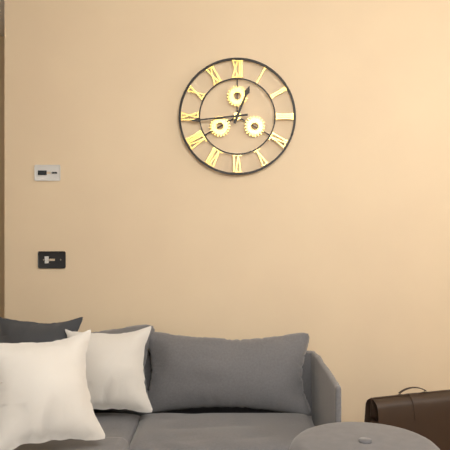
{"hour": 12, "minute": 44}
